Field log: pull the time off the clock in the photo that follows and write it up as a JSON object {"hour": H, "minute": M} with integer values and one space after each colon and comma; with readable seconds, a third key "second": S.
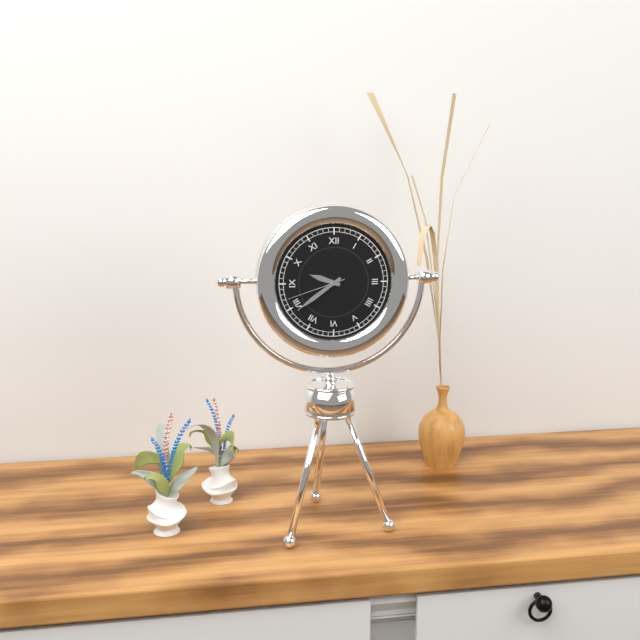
{"hour": 9, "minute": 39, "second": 42}
